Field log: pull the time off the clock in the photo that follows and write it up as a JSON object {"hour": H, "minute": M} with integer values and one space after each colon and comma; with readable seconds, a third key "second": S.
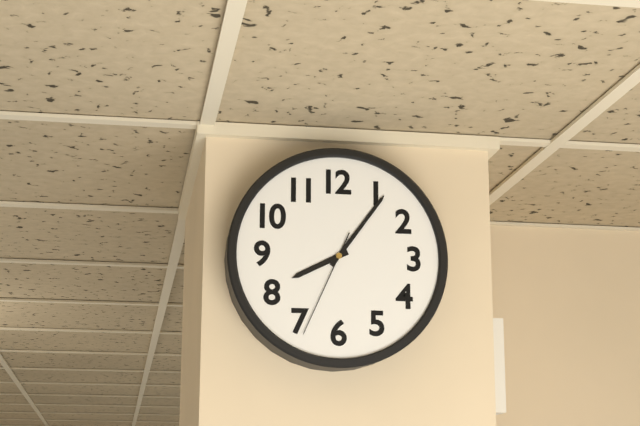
{"hour": 8, "minute": 6, "second": 34}
